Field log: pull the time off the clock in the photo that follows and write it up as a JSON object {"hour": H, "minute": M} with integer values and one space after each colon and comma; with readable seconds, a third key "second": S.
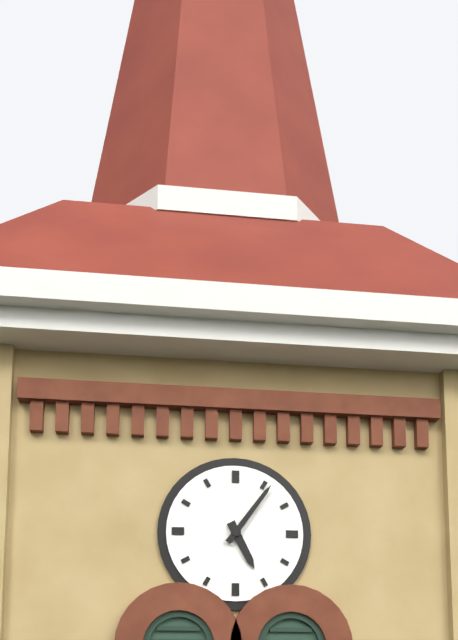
{"hour": 5, "minute": 6}
